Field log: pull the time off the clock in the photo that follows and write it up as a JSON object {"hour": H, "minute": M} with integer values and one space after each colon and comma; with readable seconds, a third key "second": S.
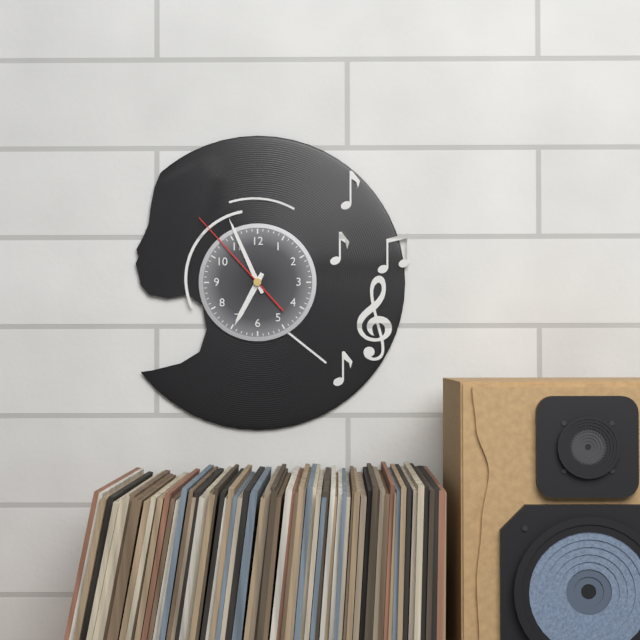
{"hour": 6, "minute": 56, "second": 53}
